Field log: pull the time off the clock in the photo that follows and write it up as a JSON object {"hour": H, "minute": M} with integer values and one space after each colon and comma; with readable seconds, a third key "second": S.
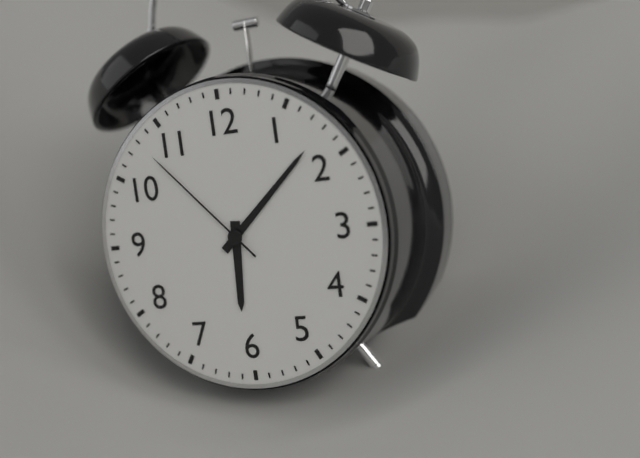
{"hour": 6, "minute": 8, "second": 53}
